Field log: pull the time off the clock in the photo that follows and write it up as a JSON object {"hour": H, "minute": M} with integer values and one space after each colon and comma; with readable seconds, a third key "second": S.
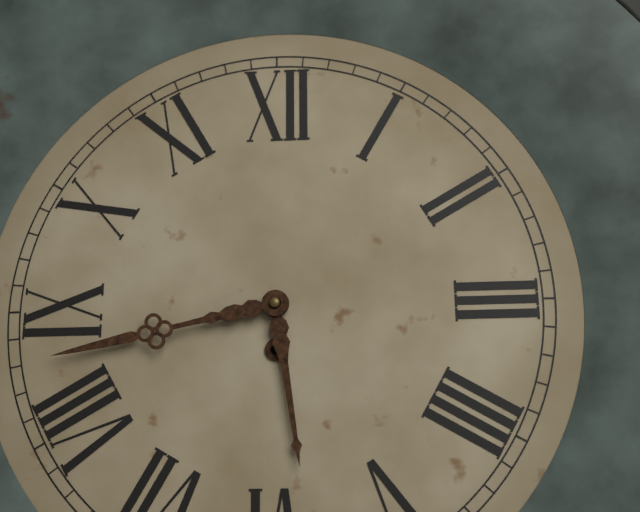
{"hour": 5, "minute": 43}
